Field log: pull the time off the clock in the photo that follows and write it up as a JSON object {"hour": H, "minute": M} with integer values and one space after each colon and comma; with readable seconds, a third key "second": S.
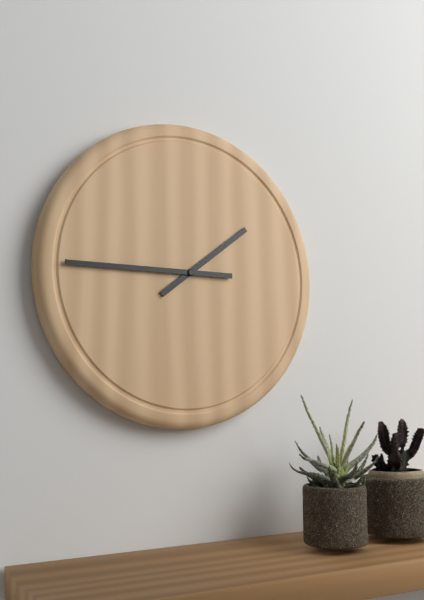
{"hour": 1, "minute": 45}
